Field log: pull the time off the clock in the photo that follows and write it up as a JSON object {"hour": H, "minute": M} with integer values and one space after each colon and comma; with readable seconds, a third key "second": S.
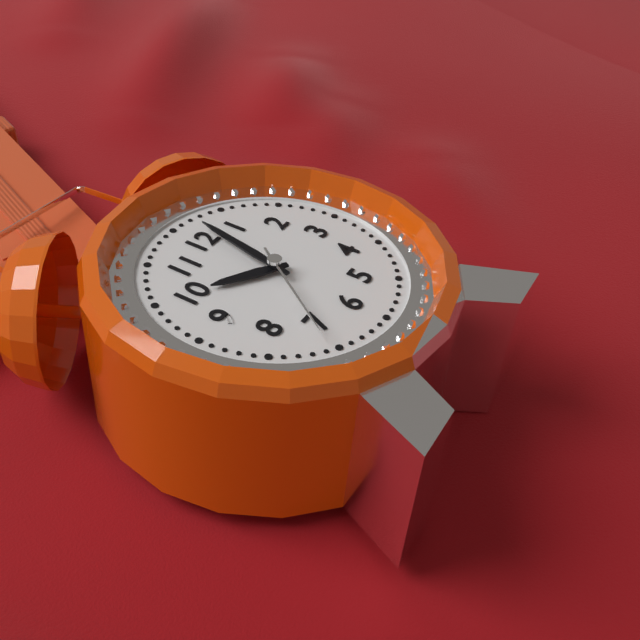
{"hour": 10, "minute": 2, "second": 36}
